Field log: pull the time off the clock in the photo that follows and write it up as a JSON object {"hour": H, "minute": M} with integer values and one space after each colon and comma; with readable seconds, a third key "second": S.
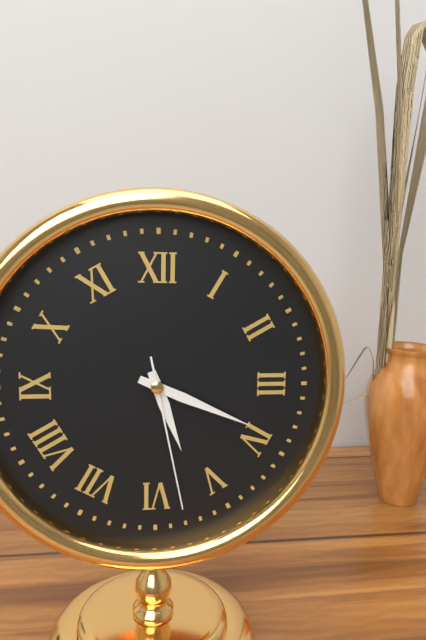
{"hour": 5, "minute": 19, "second": 28}
